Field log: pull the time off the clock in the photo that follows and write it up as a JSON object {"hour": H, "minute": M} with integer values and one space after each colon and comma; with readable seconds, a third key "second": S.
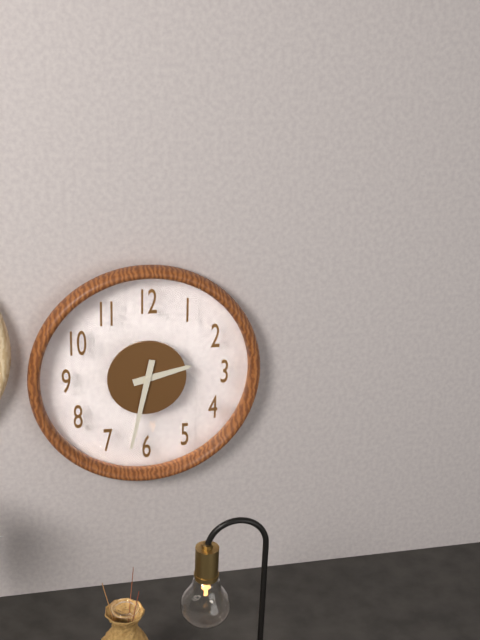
{"hour": 2, "minute": 32}
